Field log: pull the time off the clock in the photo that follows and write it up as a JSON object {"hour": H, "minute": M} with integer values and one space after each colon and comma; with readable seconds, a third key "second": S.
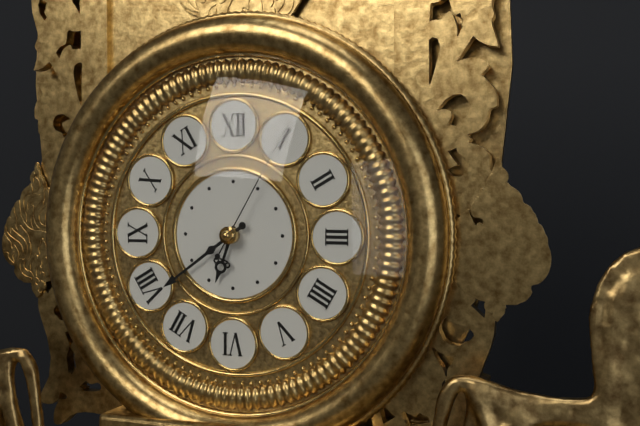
{"hour": 6, "minute": 39, "second": 5}
